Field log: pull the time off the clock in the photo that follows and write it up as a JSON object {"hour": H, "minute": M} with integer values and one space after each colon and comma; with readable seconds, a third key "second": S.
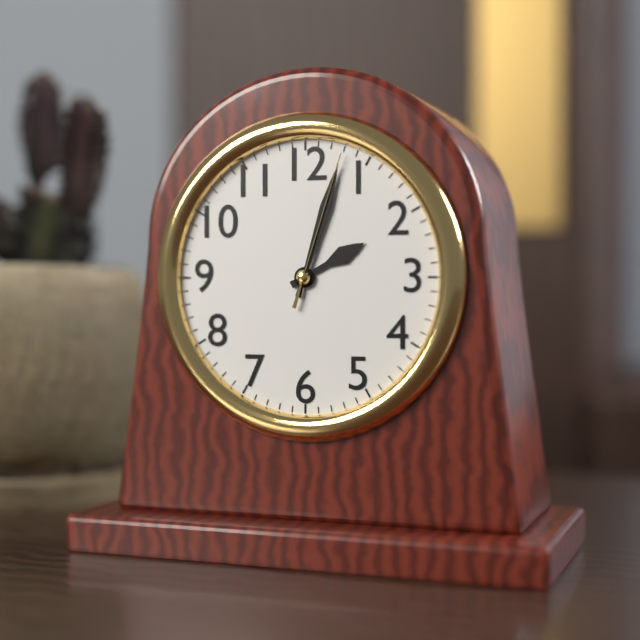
{"hour": 2, "minute": 3, "second": 3}
